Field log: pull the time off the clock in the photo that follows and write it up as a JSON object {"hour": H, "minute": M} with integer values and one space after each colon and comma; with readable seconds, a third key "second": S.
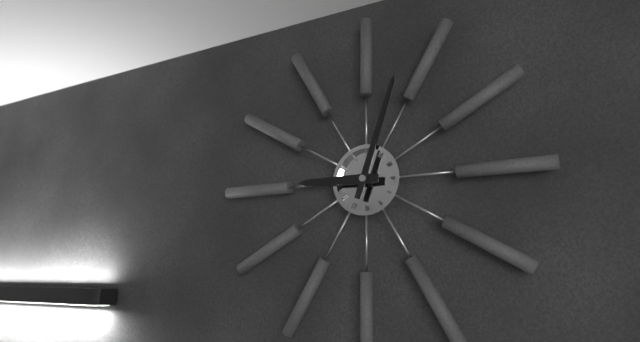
{"hour": 9, "minute": 3}
